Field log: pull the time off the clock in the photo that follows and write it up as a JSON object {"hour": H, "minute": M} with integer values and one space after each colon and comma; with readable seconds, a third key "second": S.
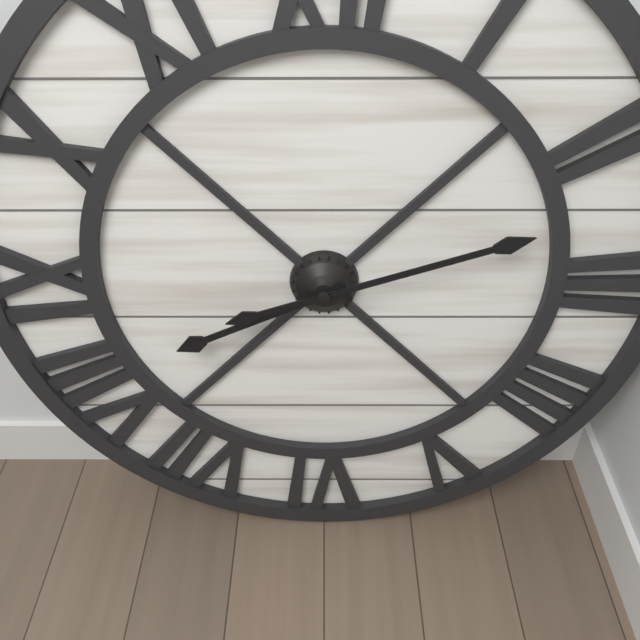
{"hour": 8, "minute": 12}
